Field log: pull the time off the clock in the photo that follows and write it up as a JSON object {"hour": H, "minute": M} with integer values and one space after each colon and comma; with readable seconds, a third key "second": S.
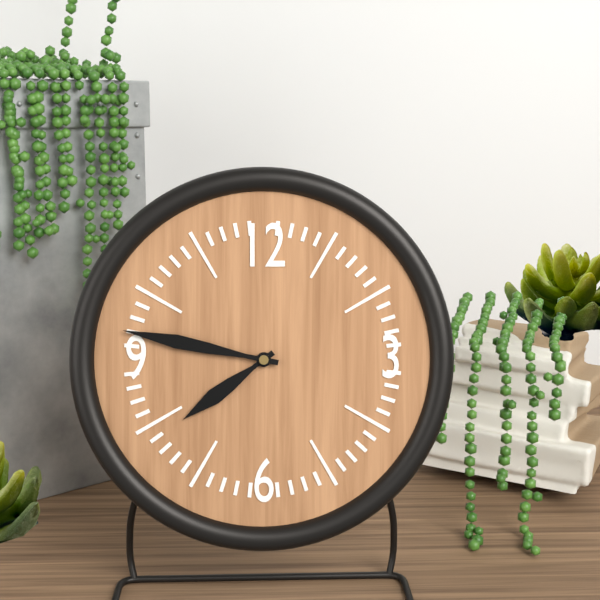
{"hour": 7, "minute": 47}
